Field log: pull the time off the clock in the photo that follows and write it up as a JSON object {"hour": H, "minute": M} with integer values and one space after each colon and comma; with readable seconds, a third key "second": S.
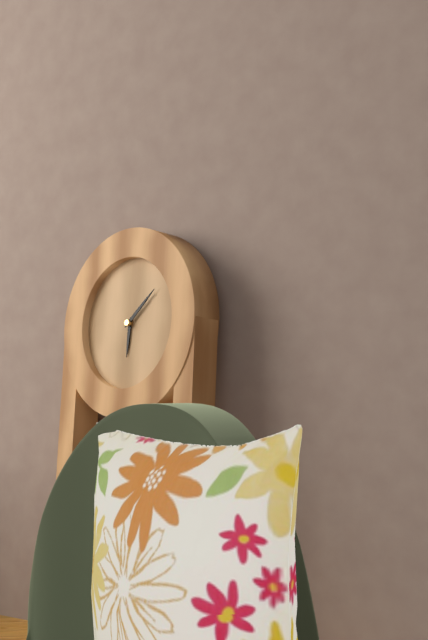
{"hour": 6, "minute": 8}
